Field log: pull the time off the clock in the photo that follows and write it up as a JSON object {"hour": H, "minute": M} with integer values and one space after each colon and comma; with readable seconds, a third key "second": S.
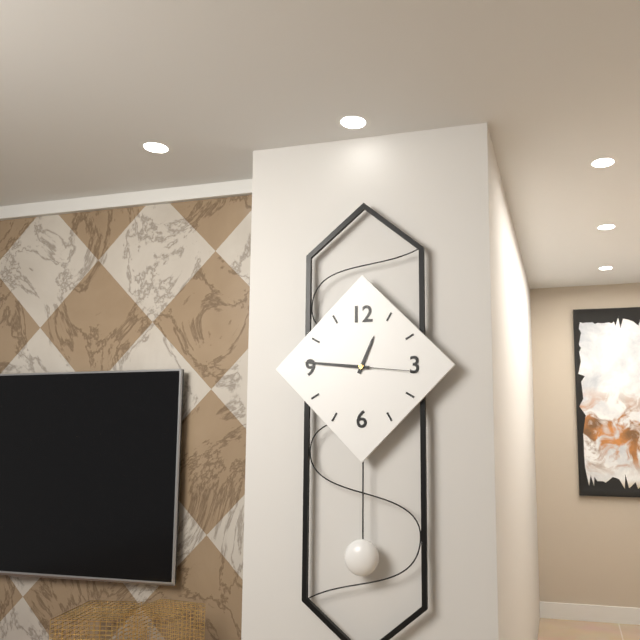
{"hour": 12, "minute": 46, "second": 16}
